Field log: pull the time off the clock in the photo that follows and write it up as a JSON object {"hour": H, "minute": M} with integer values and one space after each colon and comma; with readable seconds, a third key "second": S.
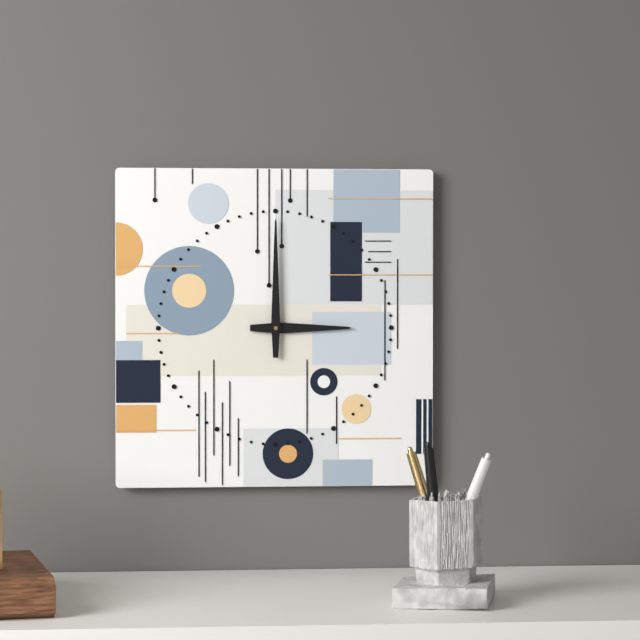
{"hour": 3, "minute": 0}
